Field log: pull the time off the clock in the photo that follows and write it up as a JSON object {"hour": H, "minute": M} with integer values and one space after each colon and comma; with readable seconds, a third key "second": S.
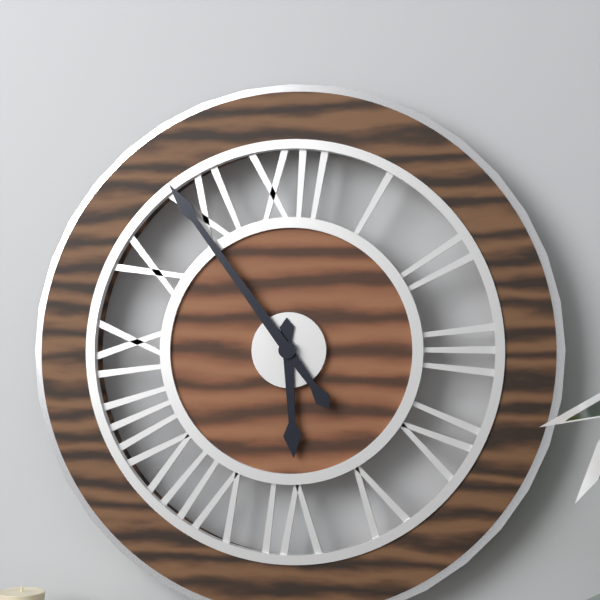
{"hour": 5, "minute": 54}
